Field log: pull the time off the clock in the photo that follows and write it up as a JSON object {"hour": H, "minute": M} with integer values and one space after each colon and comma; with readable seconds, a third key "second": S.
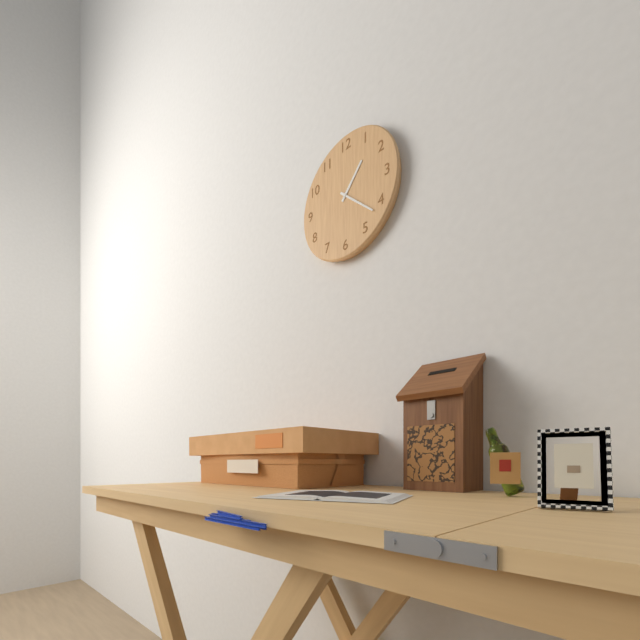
{"hour": 1, "minute": 22}
